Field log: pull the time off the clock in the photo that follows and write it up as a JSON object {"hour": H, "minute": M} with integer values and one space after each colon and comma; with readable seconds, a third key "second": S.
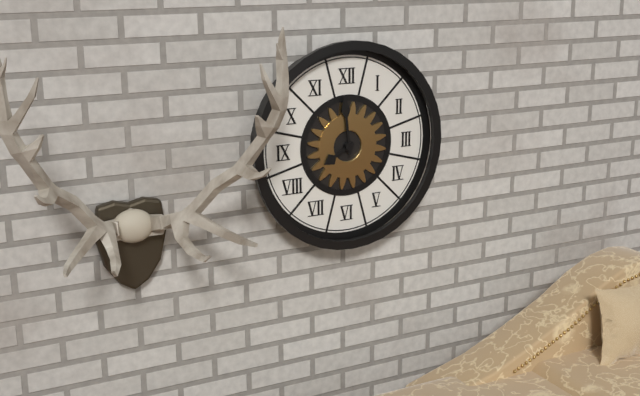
{"hour": 7, "minute": 59}
